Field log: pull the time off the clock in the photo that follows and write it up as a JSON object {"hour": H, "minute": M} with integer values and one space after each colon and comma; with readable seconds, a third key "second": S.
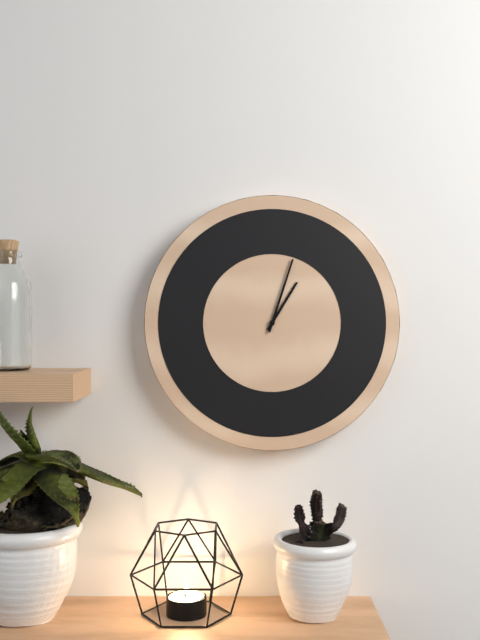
{"hour": 1, "minute": 3}
